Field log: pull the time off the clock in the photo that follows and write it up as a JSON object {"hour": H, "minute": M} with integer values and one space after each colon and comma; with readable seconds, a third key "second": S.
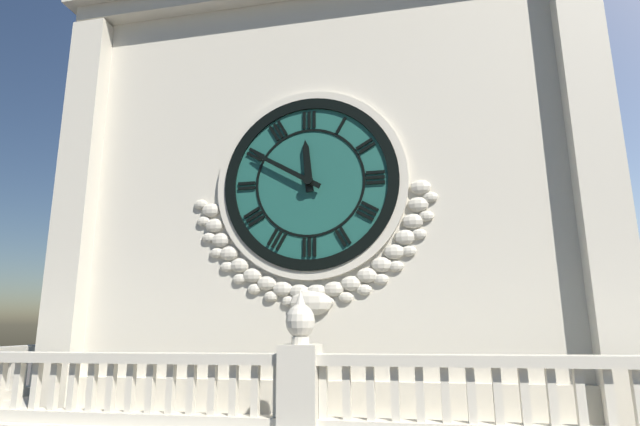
{"hour": 11, "minute": 50}
